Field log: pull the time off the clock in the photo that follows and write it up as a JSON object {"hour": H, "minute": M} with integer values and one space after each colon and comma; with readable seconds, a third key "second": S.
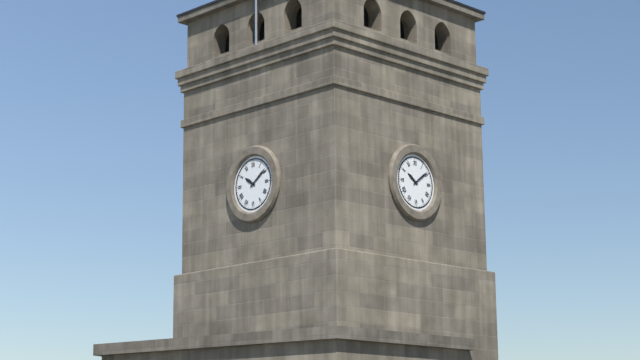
{"hour": 10, "minute": 9}
